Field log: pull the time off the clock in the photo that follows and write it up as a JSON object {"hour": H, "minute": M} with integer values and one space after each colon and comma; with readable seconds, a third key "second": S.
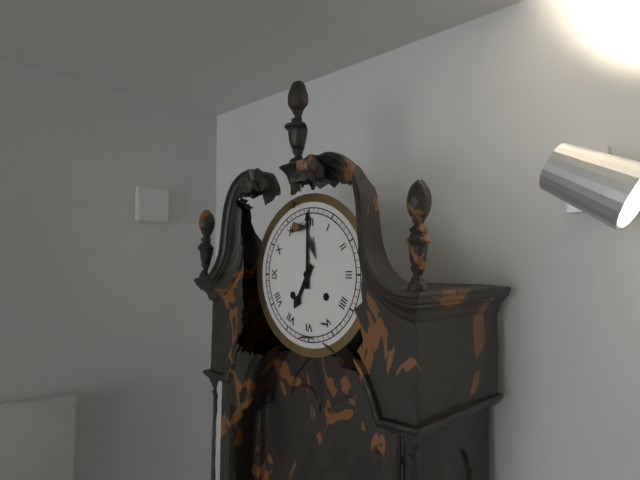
{"hour": 7, "minute": 0}
